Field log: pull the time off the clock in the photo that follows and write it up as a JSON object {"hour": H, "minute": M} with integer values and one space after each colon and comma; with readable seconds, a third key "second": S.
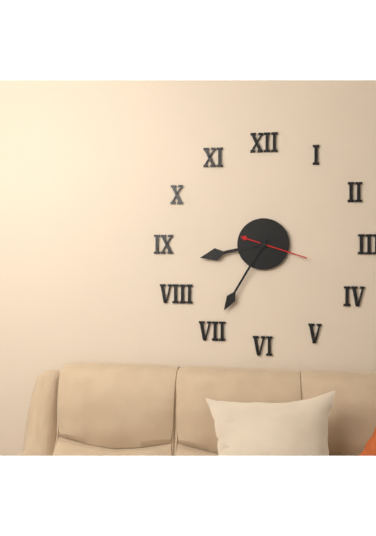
{"hour": 8, "minute": 35, "second": 18}
